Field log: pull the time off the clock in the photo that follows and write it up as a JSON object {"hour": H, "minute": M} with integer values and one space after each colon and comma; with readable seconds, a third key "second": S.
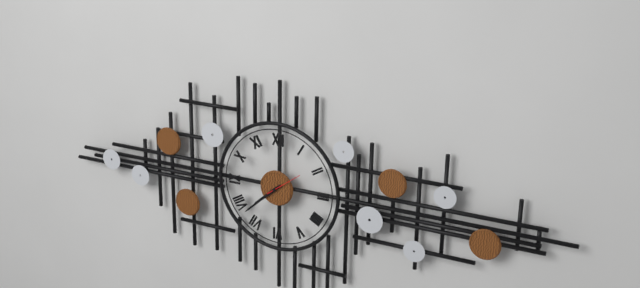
{"hour": 7, "minute": 38}
